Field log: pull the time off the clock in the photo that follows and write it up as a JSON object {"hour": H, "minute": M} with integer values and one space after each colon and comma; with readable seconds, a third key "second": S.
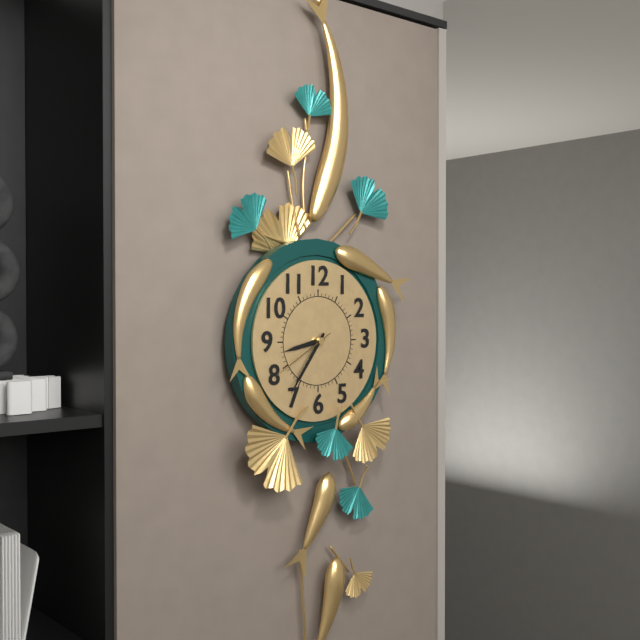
{"hour": 8, "minute": 36, "second": 40}
